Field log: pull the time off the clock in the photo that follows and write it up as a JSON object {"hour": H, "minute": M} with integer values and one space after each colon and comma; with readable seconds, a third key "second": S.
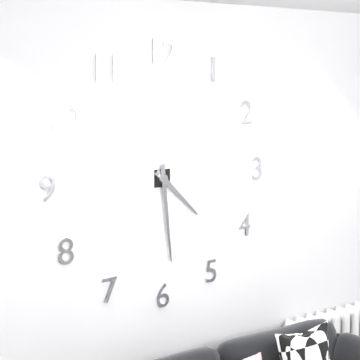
{"hour": 4, "minute": 29}
